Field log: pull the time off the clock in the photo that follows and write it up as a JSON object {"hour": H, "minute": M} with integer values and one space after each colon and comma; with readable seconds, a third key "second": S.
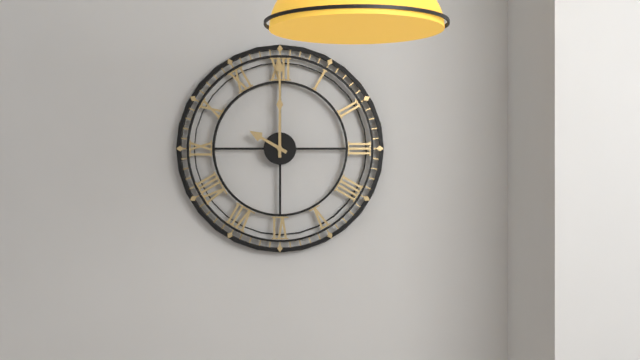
{"hour": 10, "minute": 0}
